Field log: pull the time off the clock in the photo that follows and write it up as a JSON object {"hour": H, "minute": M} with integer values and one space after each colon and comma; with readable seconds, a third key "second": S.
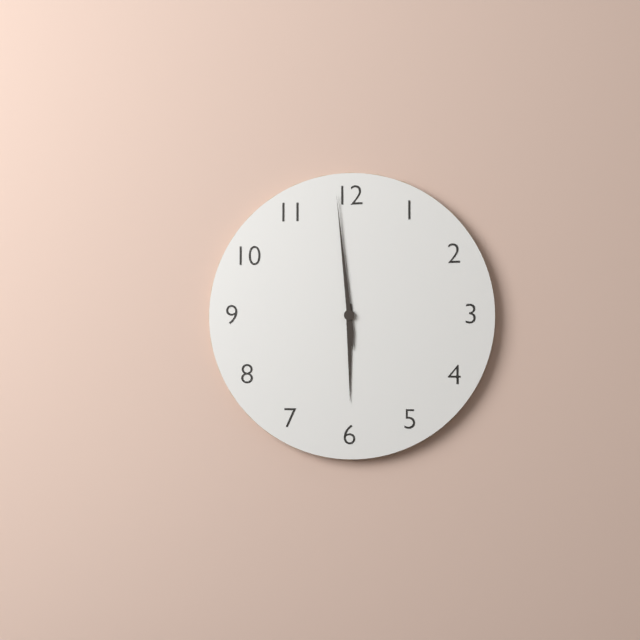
{"hour": 5, "minute": 59}
